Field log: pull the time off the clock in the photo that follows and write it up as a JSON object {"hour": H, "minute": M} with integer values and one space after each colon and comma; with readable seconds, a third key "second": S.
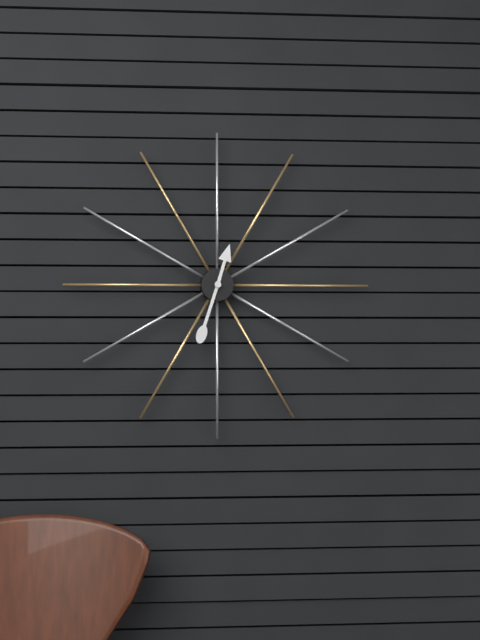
{"hour": 12, "minute": 33}
